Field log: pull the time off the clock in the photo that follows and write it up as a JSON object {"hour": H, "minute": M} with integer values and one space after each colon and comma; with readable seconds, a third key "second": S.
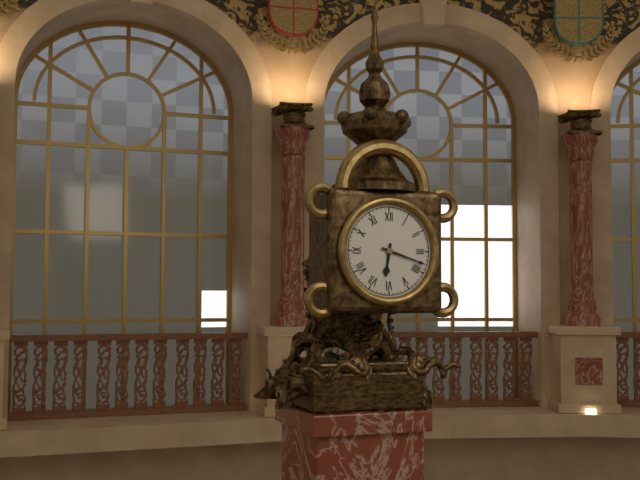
{"hour": 6, "minute": 18}
